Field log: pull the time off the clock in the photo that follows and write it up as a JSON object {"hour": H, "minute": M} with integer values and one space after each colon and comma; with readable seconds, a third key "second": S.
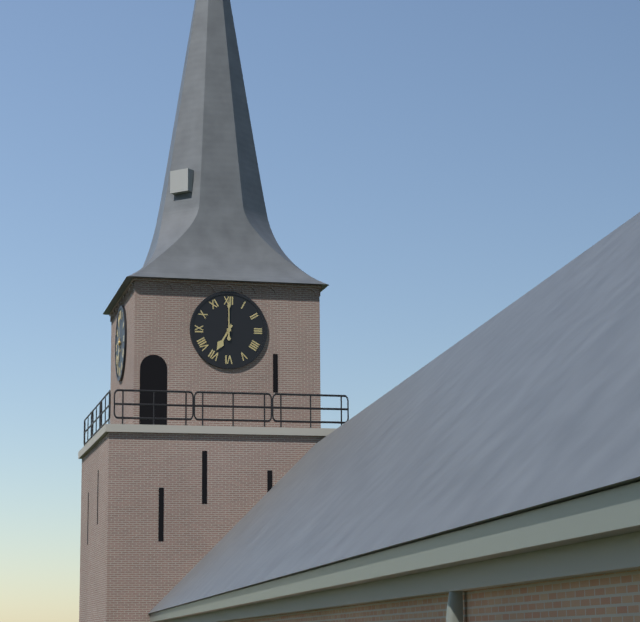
{"hour": 7, "minute": 0}
